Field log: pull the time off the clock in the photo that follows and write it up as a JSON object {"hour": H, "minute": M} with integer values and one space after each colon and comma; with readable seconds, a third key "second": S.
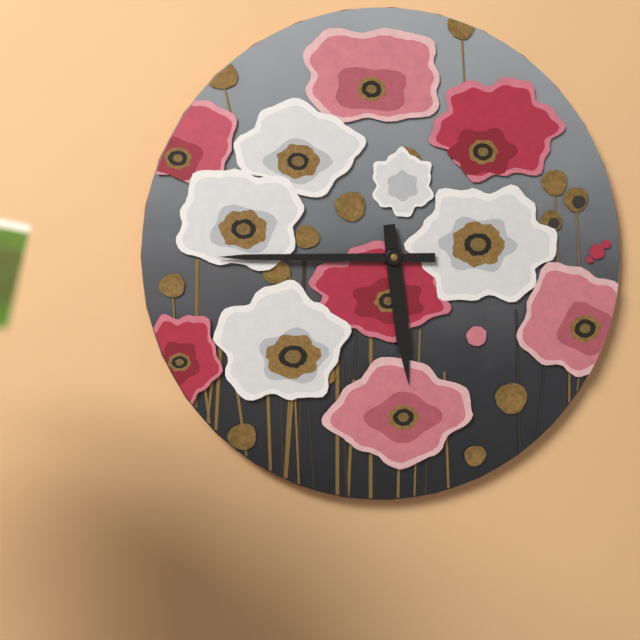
{"hour": 5, "minute": 45}
